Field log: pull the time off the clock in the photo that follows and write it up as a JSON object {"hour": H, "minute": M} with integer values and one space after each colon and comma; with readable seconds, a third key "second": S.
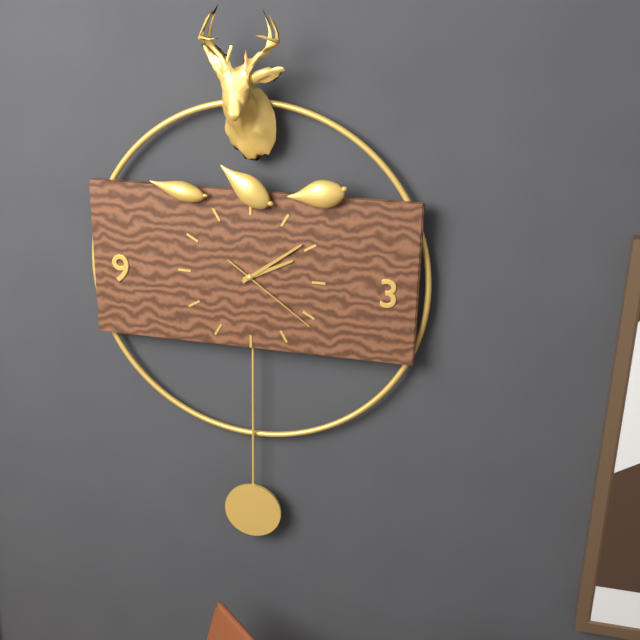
{"hour": 2, "minute": 9, "second": 21}
